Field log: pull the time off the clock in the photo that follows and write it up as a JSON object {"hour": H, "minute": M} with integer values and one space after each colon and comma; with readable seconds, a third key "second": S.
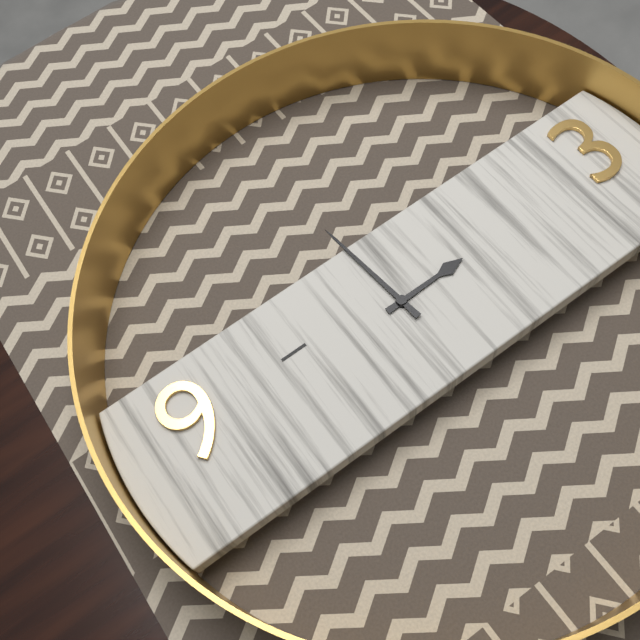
{"hour": 2, "minute": 59}
